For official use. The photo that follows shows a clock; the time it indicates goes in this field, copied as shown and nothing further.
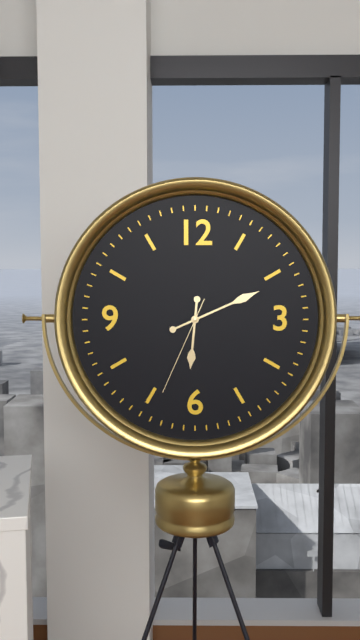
6:11:34
